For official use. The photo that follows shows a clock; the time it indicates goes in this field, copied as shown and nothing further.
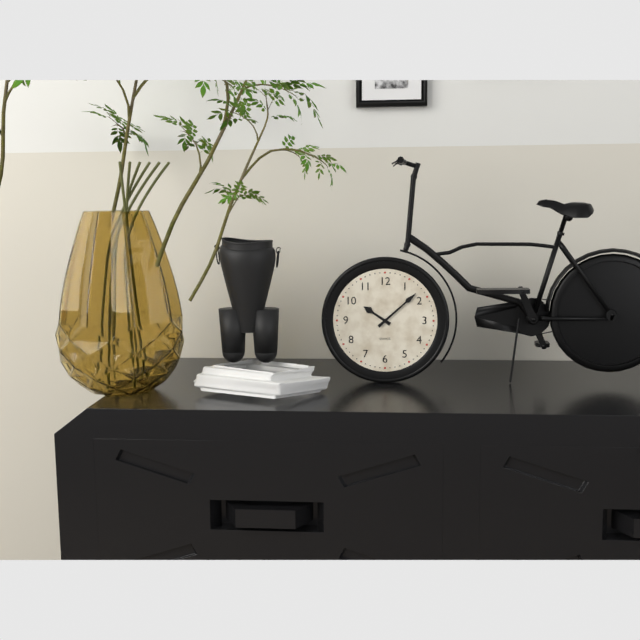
10:08
